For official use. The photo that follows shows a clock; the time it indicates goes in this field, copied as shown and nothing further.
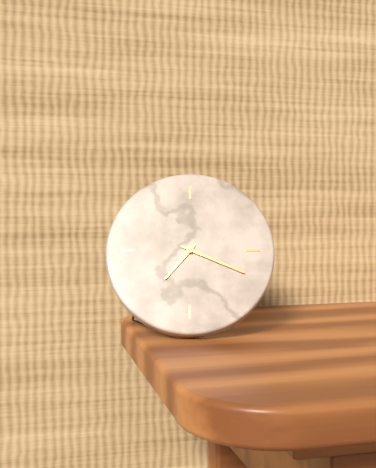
7:19
